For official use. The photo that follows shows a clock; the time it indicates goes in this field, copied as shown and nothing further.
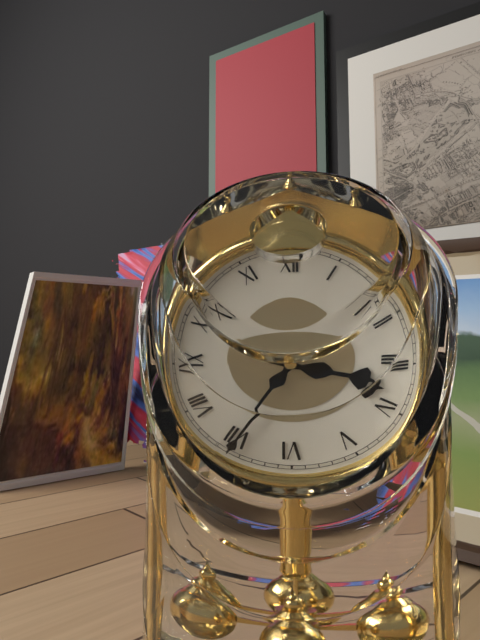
3:35
